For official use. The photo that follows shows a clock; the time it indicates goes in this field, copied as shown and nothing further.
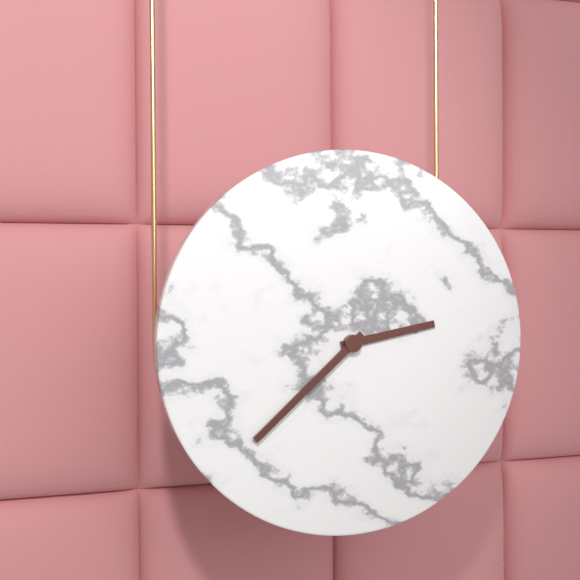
2:38
